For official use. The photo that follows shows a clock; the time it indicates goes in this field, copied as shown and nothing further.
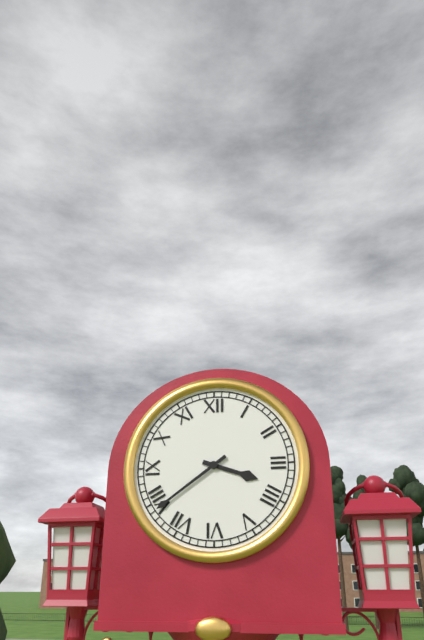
3:39
